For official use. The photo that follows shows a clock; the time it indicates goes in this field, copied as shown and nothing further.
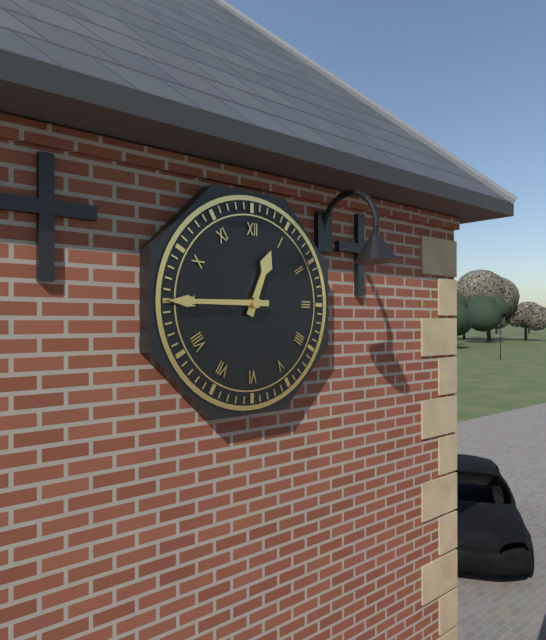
12:45
